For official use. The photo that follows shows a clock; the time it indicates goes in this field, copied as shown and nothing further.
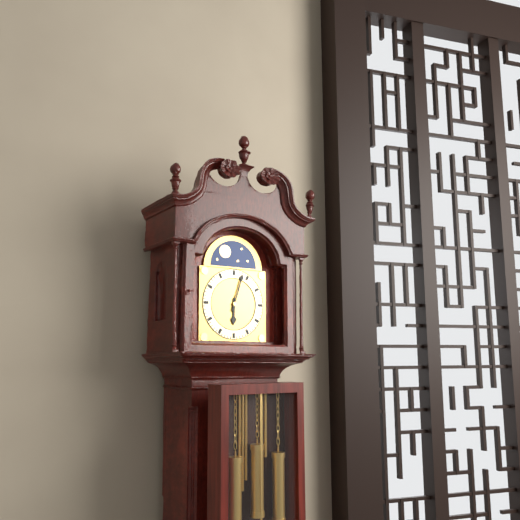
6:03
